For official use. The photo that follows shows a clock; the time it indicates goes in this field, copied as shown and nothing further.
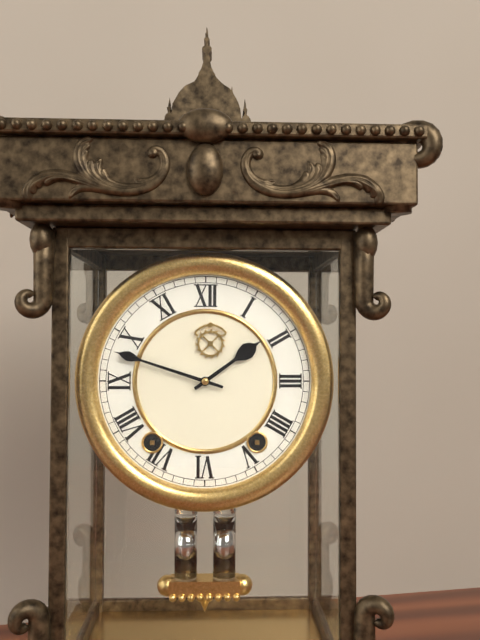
1:48
